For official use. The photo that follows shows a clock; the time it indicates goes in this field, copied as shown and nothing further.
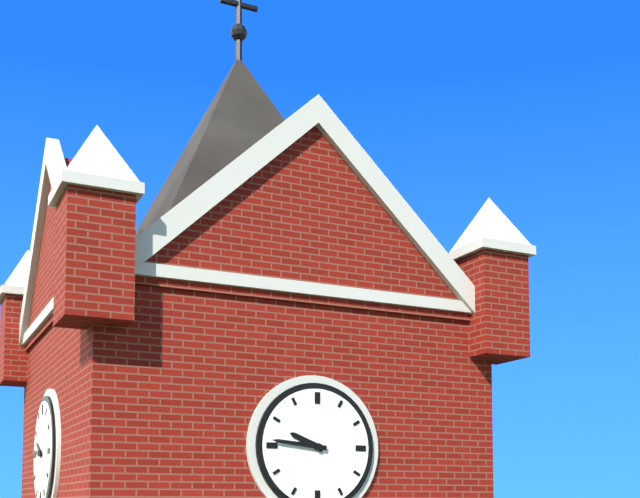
9:46
